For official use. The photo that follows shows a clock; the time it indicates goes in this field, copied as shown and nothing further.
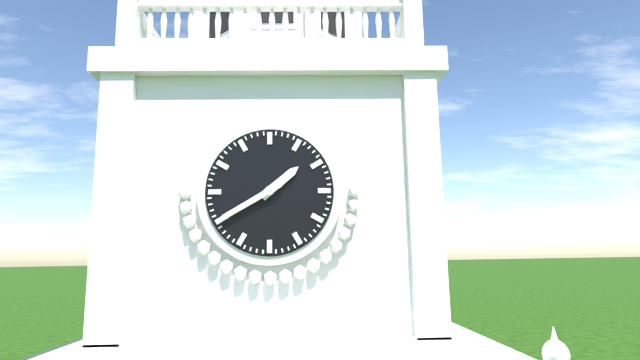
1:40
